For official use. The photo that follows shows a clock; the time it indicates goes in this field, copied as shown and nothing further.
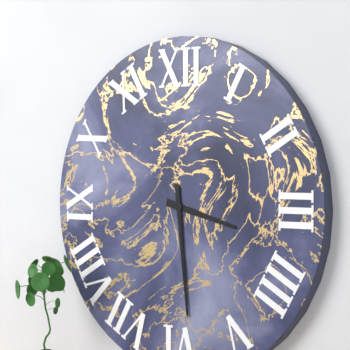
3:29
